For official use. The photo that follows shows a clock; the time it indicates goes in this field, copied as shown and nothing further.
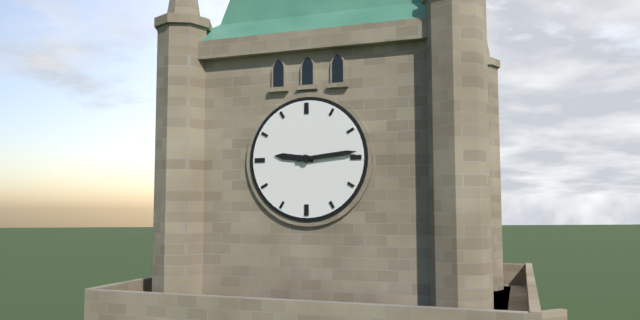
9:14
